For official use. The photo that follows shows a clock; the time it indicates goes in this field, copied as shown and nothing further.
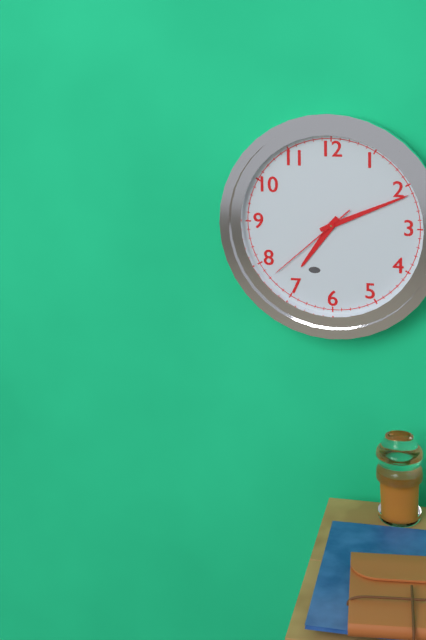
7:11:38
